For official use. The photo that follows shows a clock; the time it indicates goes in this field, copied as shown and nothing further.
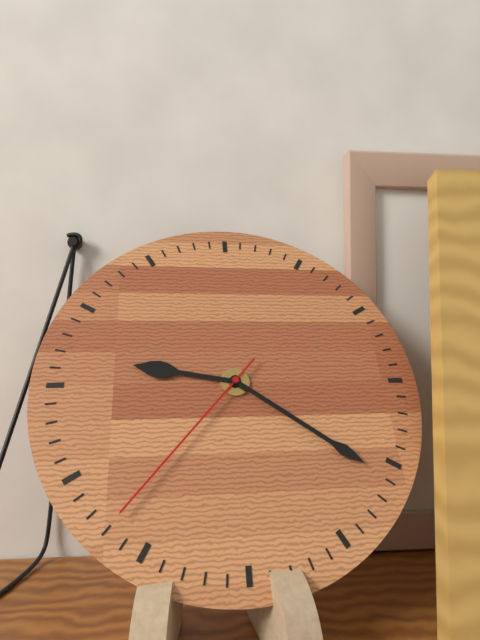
9:21:37
